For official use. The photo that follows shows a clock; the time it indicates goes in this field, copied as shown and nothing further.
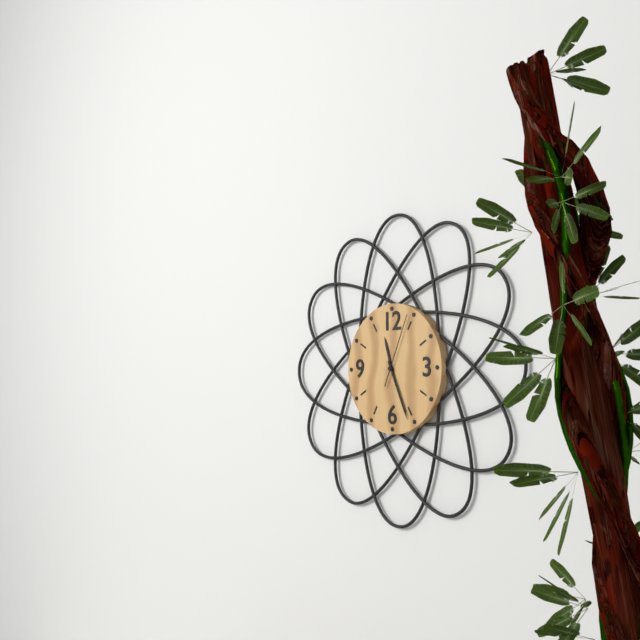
11:26:04
